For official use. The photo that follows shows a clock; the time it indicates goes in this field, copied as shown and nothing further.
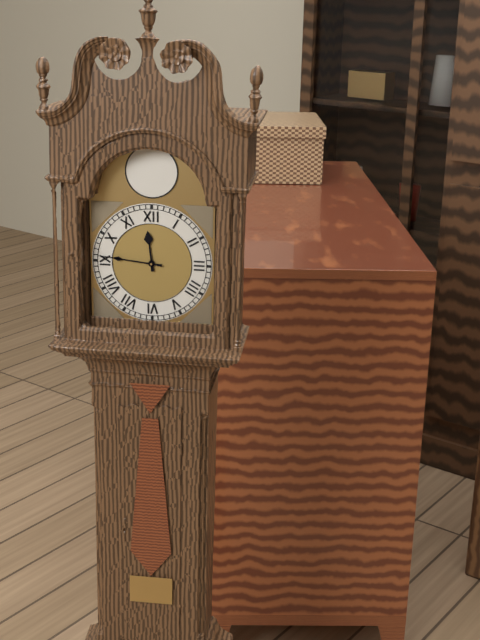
11:46
